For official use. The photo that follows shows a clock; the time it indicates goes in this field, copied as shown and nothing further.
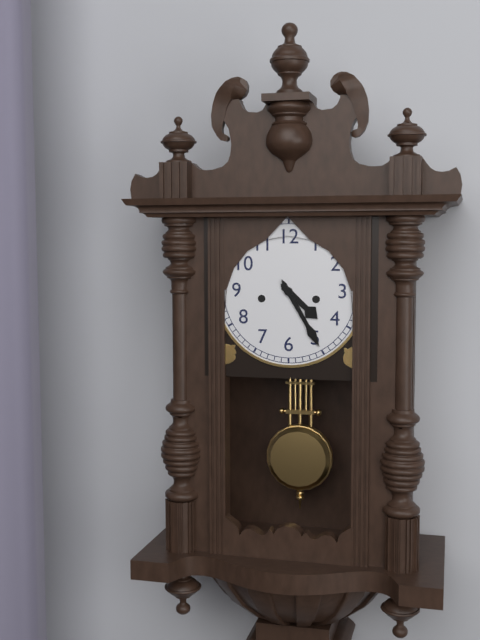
4:25
